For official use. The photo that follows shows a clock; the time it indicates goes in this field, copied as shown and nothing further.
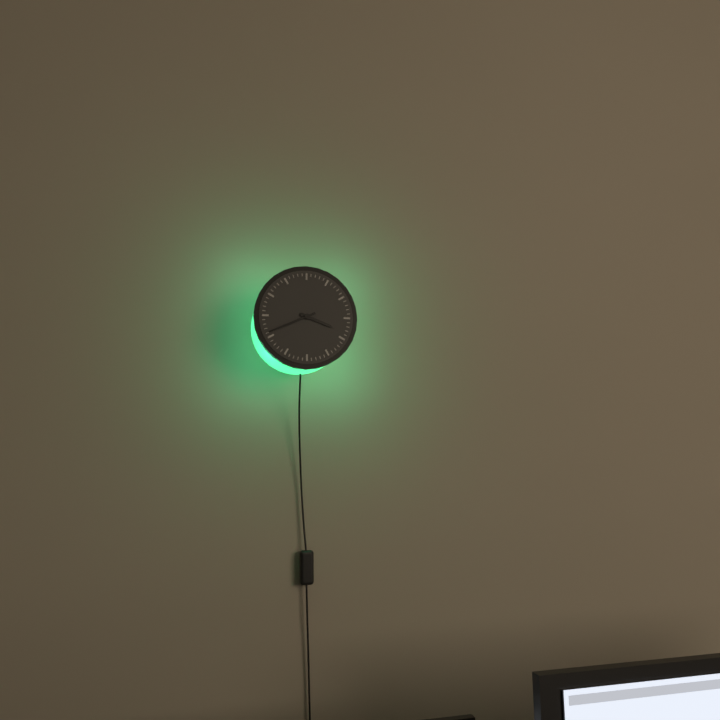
3:41
